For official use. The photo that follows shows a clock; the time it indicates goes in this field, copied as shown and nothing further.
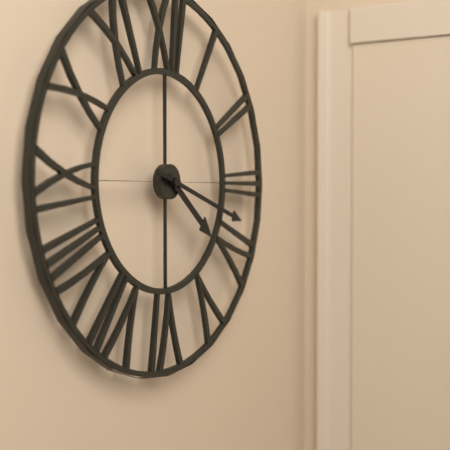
4:18
